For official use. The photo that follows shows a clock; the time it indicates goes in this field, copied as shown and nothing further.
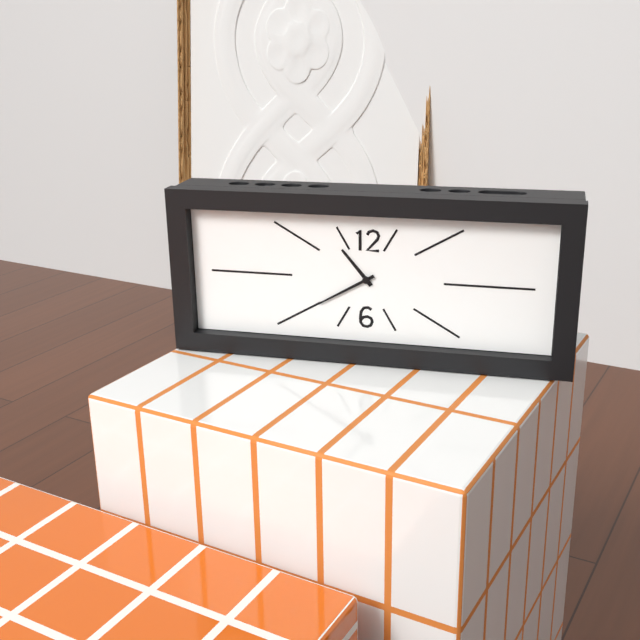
10:40
